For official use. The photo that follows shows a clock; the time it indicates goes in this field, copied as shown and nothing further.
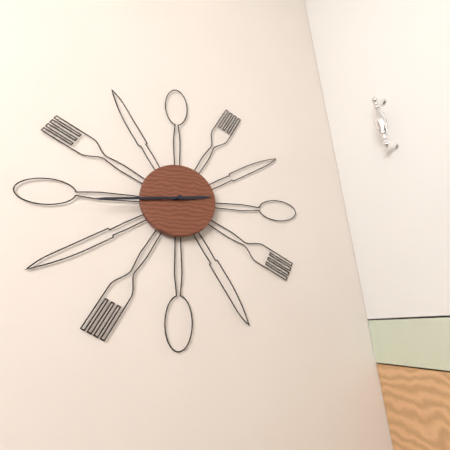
2:44
